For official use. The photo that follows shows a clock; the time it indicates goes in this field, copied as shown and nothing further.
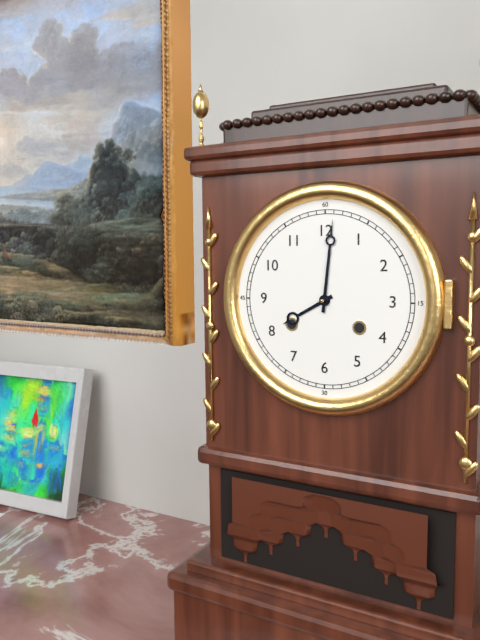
8:01
